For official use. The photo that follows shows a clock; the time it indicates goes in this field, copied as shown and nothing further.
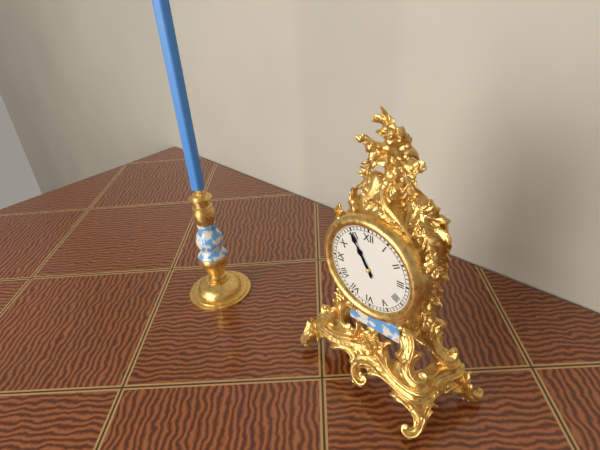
10:55
